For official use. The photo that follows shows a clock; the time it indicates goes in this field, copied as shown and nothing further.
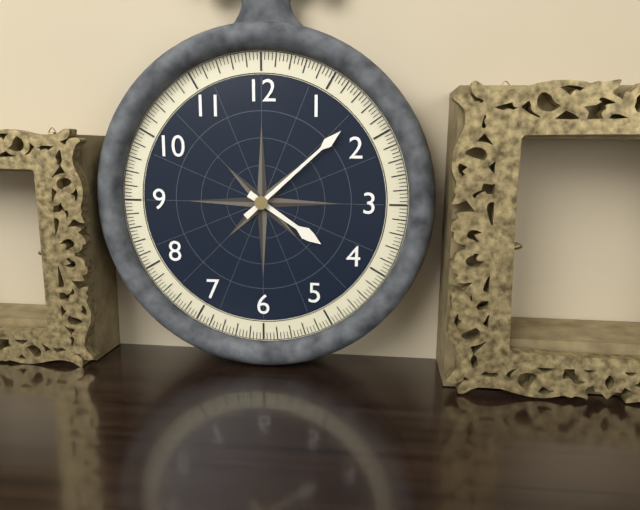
4:08
